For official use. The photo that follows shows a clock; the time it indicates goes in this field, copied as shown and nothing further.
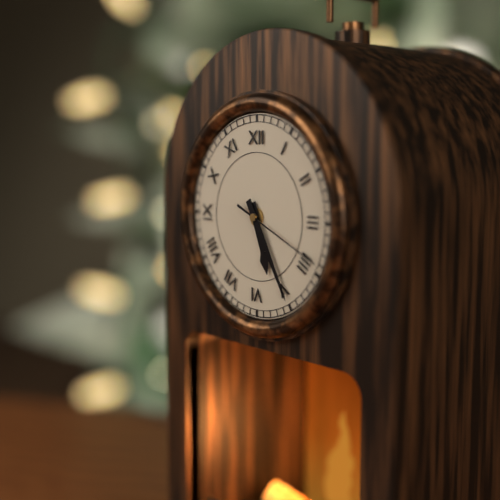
5:25:19
